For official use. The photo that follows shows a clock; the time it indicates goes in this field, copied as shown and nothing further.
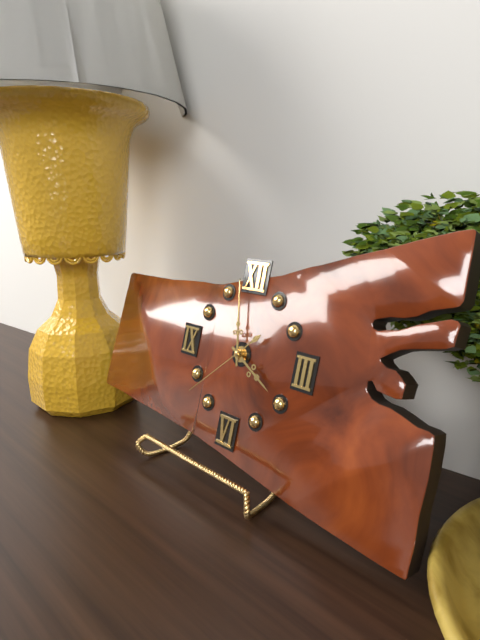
3:58:38
